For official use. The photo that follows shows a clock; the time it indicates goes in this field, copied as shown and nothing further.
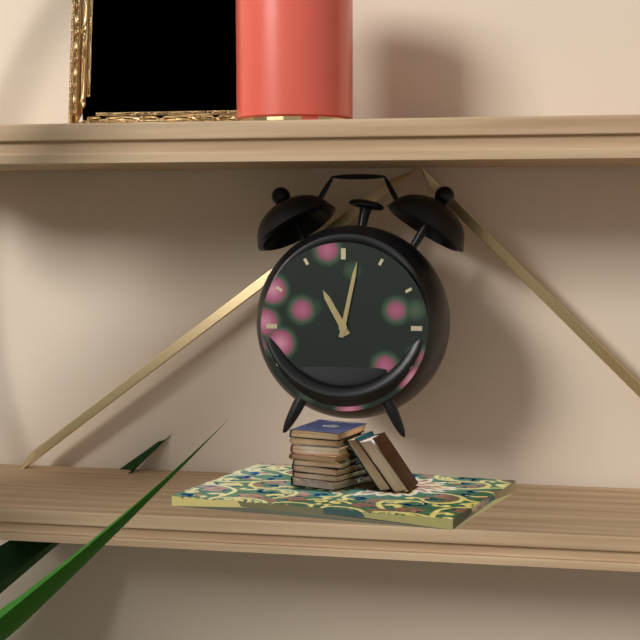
11:02
